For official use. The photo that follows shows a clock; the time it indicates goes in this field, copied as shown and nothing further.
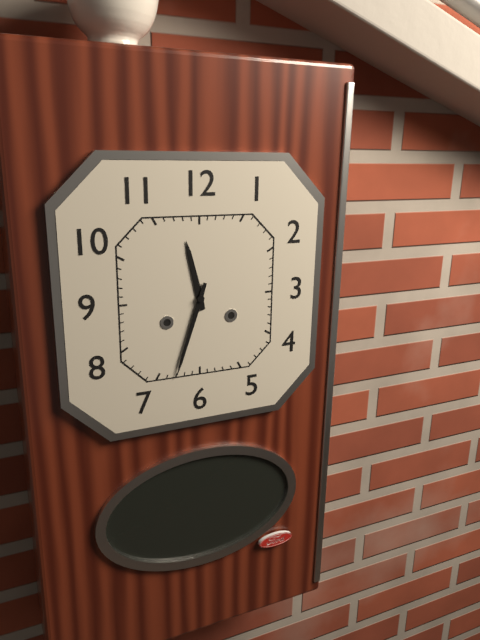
11:33
